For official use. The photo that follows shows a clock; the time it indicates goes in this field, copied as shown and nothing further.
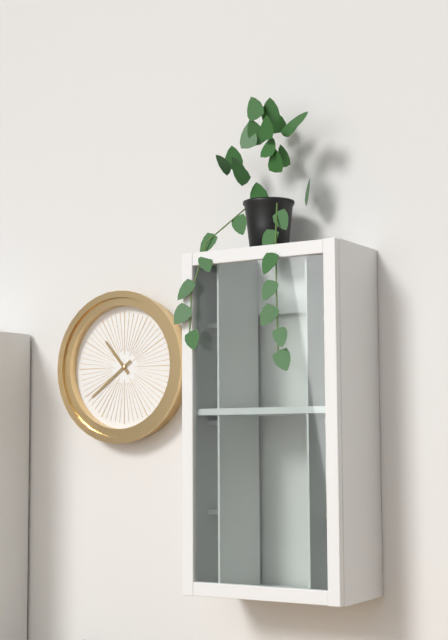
10:39
